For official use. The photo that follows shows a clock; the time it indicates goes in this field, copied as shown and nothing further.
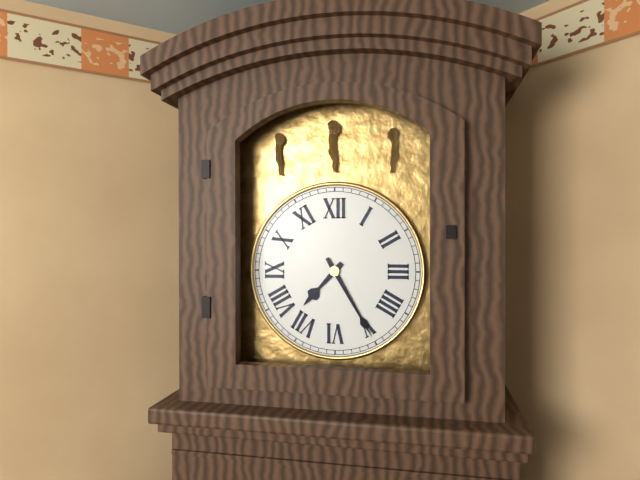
7:25
